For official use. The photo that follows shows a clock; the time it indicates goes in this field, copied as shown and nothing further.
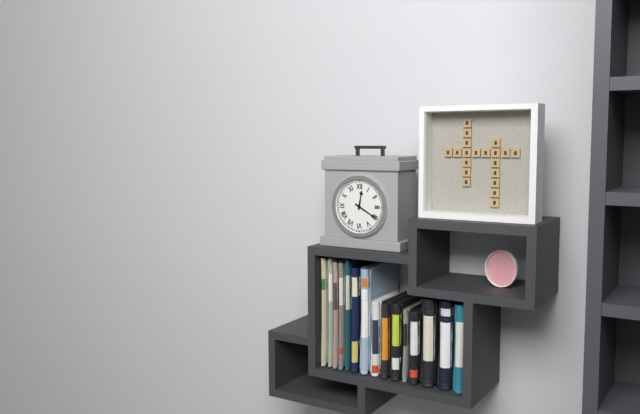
12:20
